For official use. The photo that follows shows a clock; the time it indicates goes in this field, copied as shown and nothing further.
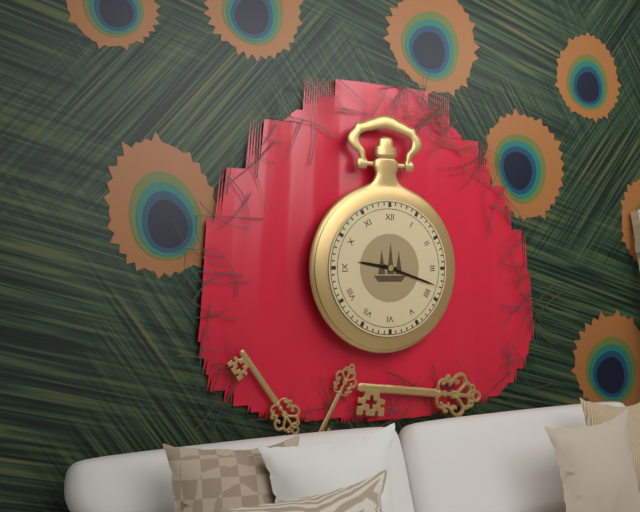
9:18
